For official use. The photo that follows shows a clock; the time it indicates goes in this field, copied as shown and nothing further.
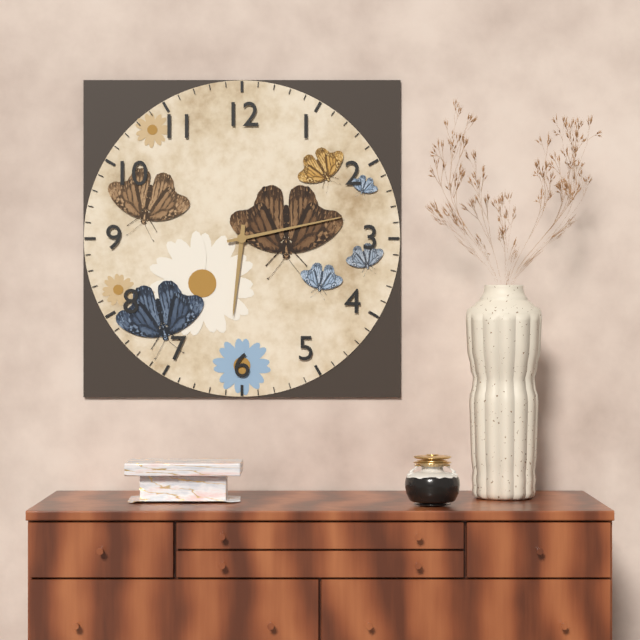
6:13
